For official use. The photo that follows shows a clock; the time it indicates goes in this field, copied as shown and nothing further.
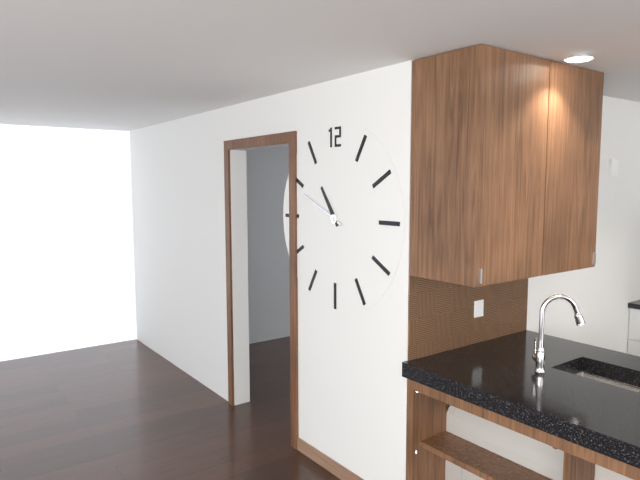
10:49
